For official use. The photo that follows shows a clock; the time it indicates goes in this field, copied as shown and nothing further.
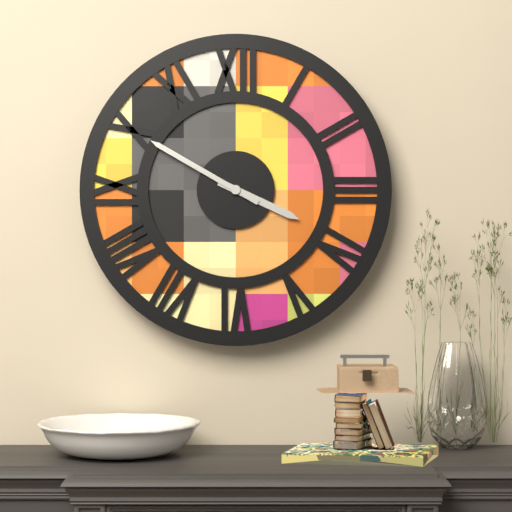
3:50
